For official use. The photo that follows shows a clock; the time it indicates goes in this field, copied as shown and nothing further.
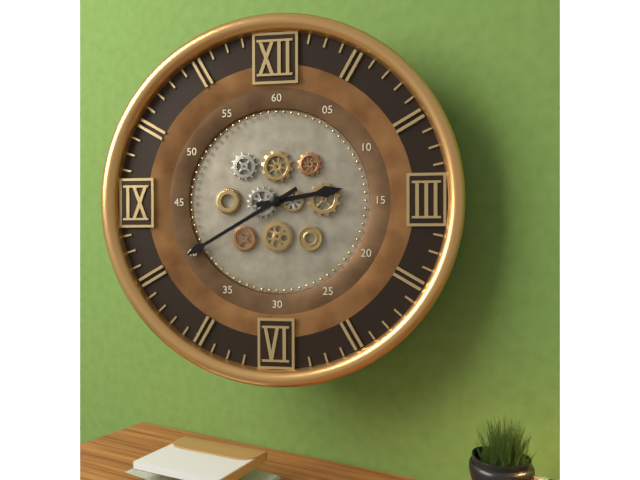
2:40
